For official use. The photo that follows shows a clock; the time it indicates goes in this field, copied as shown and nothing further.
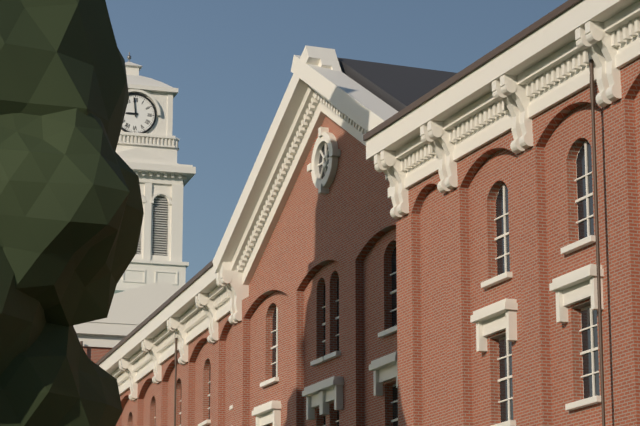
8:59
